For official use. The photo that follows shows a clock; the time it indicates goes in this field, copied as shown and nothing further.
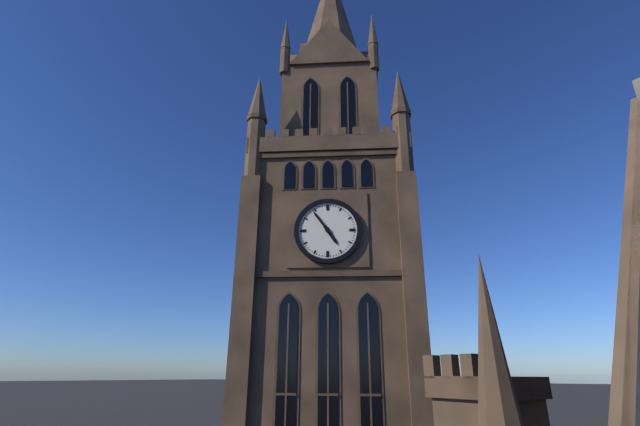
4:54
